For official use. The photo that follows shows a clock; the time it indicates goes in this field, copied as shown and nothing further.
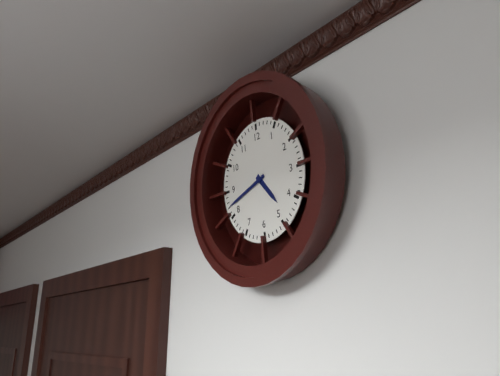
4:42
